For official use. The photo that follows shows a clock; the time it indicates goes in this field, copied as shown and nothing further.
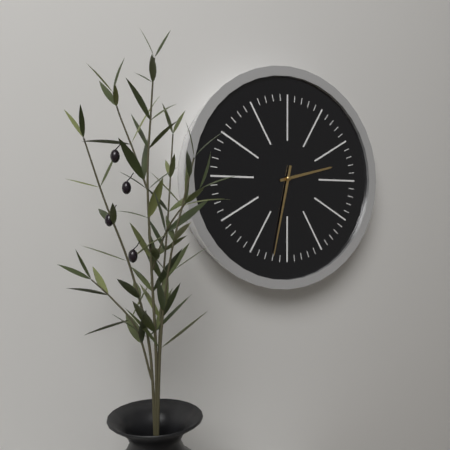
2:32
